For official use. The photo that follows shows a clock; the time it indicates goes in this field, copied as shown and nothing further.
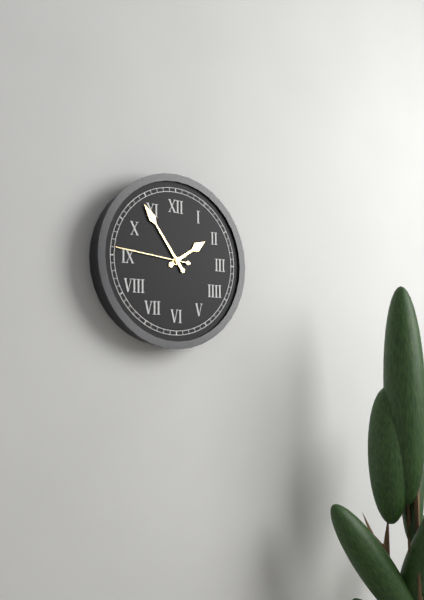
1:54:46
